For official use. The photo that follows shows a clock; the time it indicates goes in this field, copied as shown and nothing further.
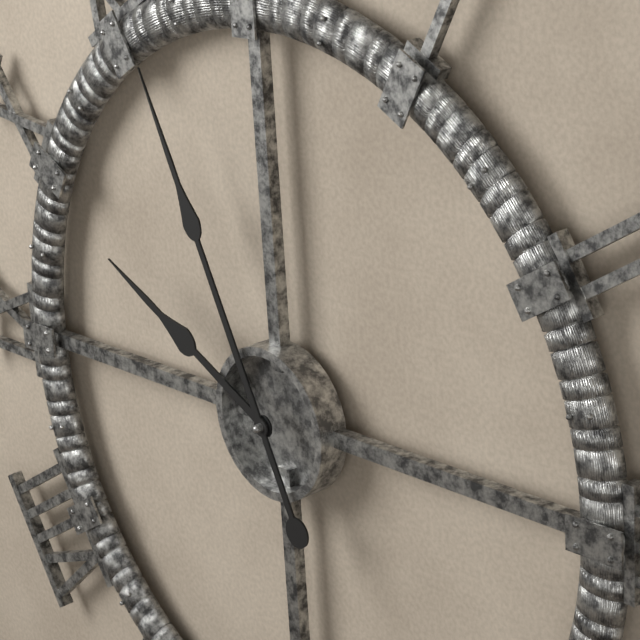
9:56
